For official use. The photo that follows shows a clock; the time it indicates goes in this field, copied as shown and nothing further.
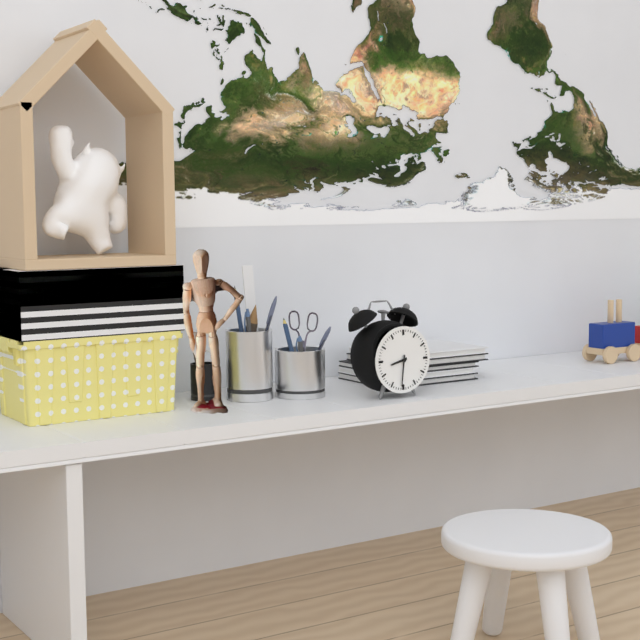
8:31
